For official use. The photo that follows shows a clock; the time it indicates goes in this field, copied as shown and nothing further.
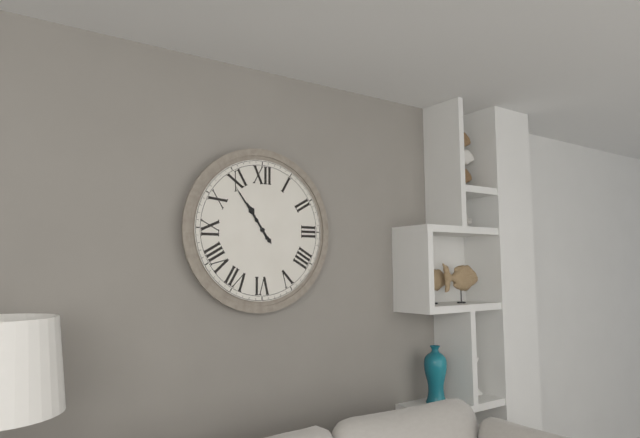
10:54
